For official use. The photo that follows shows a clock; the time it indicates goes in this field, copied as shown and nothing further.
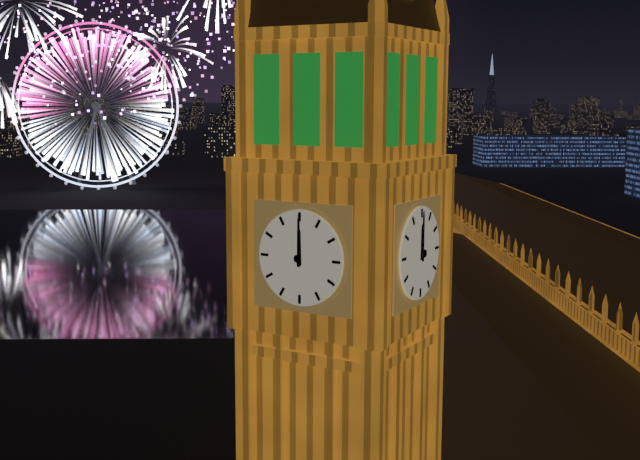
12:00
